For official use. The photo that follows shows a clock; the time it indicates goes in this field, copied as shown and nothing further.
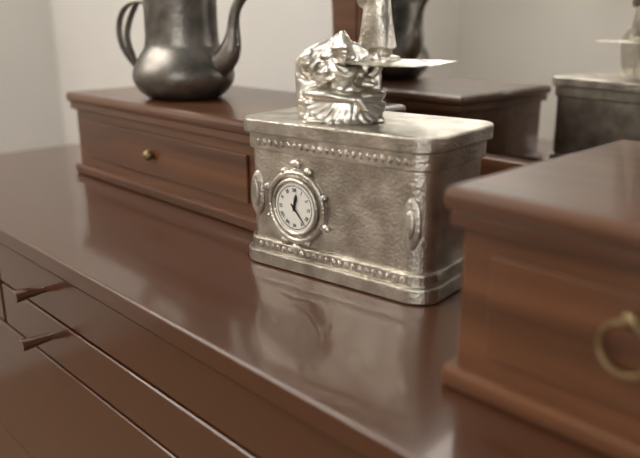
12:23
